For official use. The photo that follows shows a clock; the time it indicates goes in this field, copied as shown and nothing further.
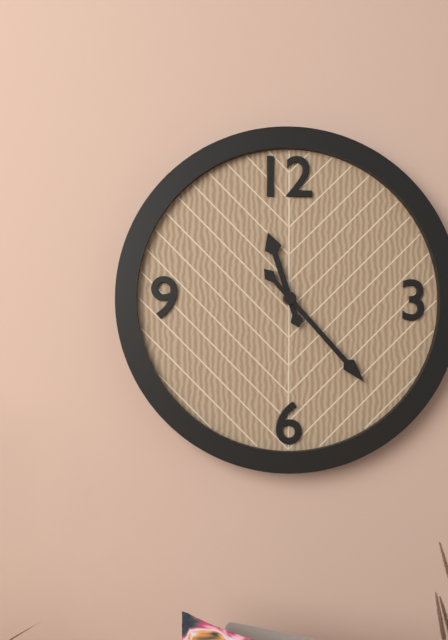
11:23
